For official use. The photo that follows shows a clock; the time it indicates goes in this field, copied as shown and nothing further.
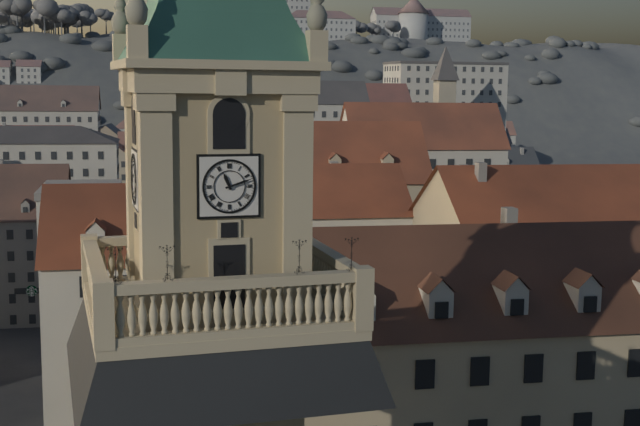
11:12
